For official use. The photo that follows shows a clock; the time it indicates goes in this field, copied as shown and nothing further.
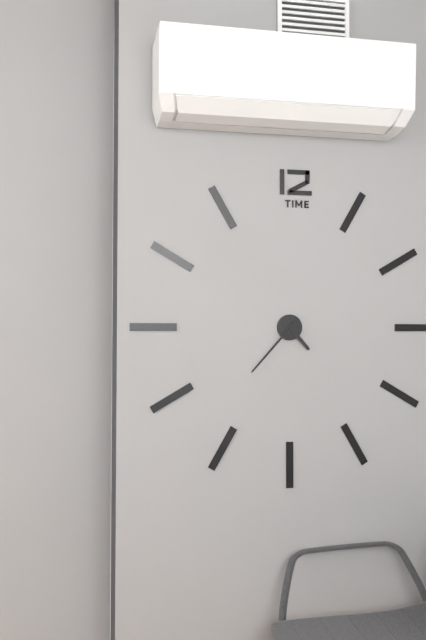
4:37
